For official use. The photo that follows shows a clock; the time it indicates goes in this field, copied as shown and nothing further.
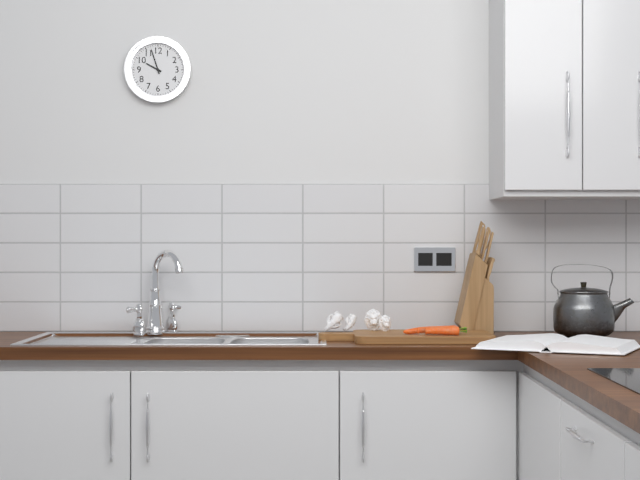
9:57
